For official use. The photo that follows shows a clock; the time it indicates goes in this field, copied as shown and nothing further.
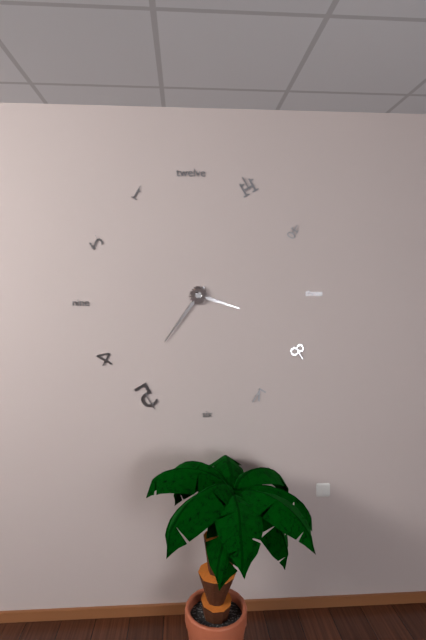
3:36
